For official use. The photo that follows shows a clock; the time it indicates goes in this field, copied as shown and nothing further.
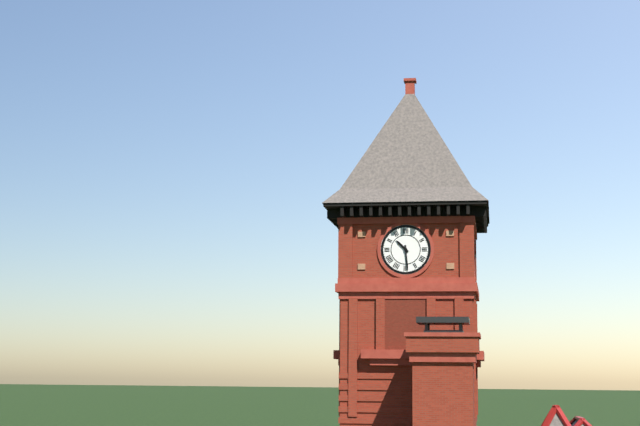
10:29
